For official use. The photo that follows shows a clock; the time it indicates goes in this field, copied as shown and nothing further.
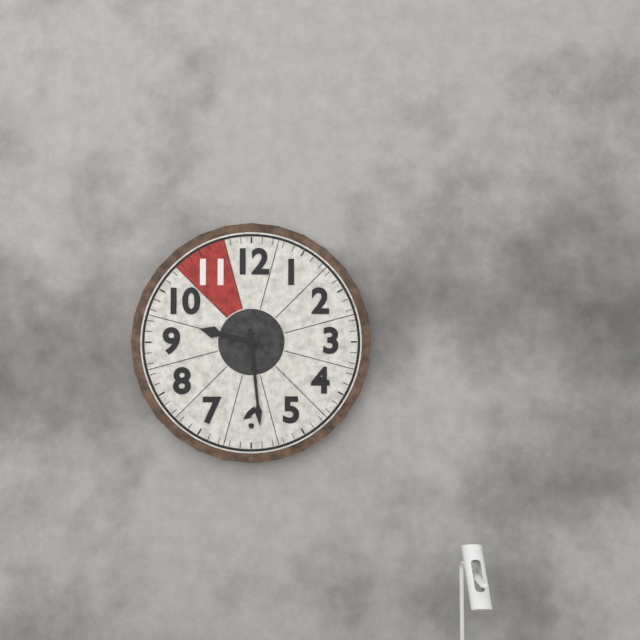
9:29
